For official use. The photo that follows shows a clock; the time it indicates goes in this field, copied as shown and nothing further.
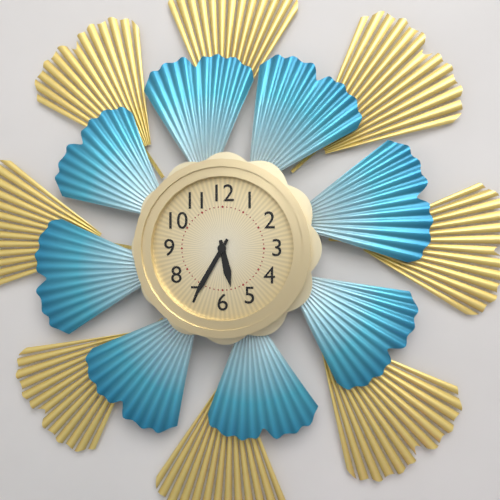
5:35
